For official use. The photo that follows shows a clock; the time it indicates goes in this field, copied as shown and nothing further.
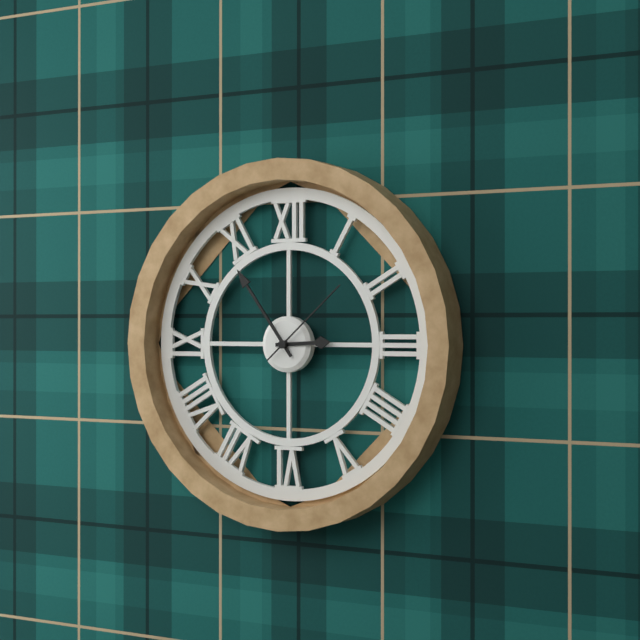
2:54:08
